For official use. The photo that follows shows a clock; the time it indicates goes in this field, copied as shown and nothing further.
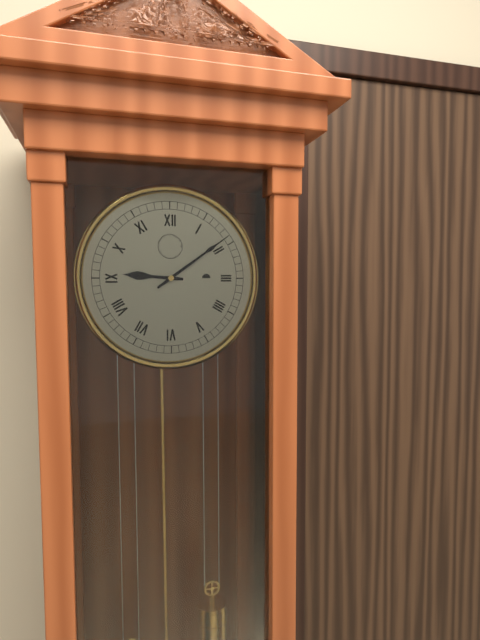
9:09
